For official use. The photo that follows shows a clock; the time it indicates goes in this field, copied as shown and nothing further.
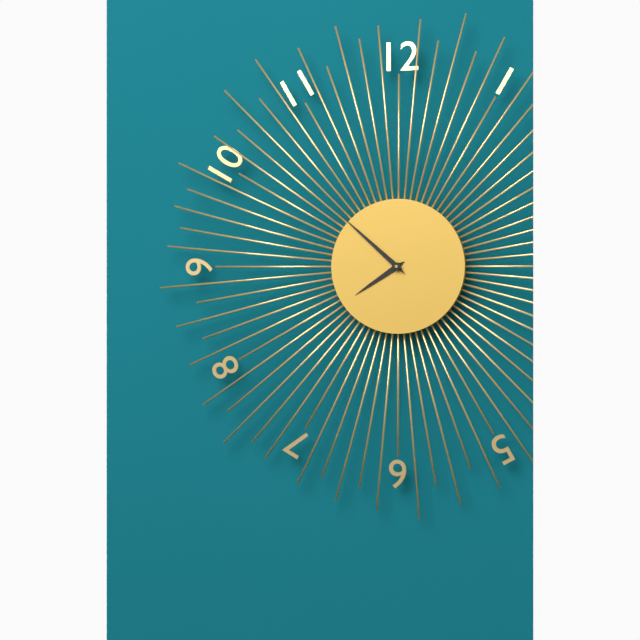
7:52
